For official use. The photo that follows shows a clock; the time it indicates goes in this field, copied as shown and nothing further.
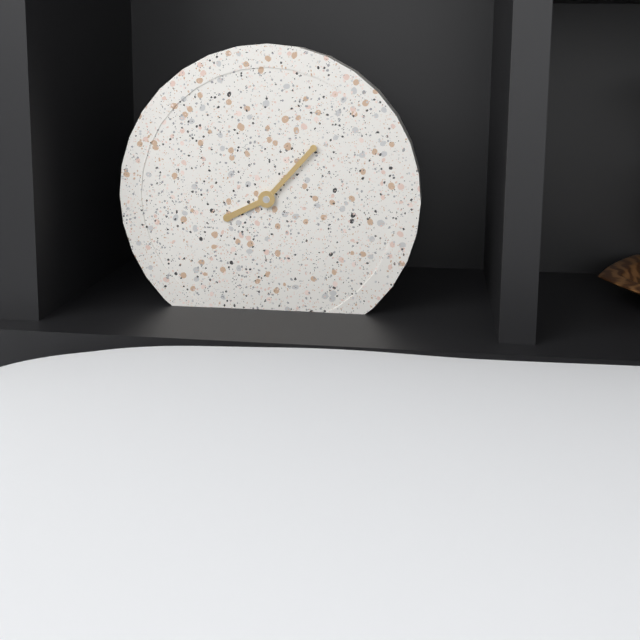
8:07
